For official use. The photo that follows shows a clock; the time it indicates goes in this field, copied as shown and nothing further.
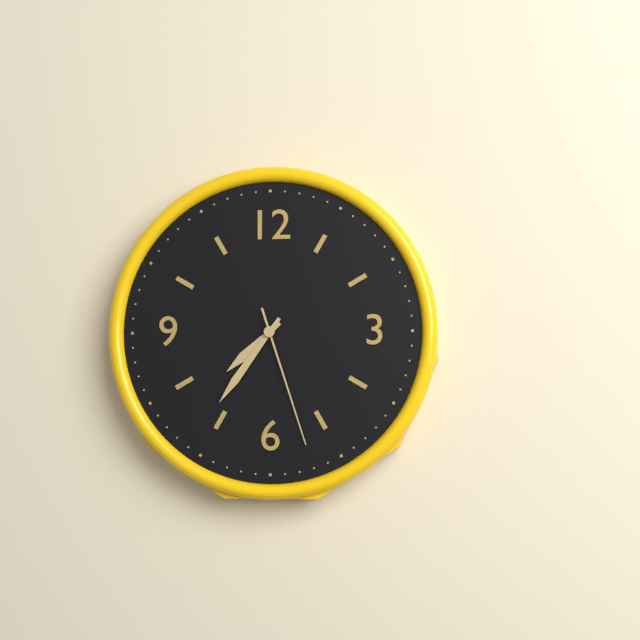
7:36:27
